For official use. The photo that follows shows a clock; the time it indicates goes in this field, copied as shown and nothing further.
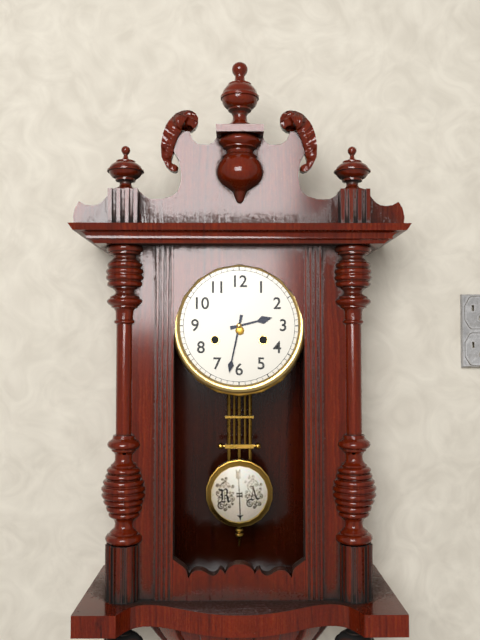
2:32
